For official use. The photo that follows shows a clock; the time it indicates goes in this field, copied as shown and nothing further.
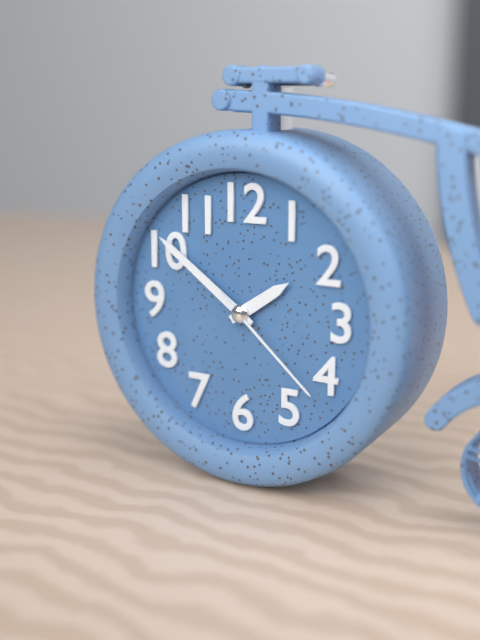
1:51:22
